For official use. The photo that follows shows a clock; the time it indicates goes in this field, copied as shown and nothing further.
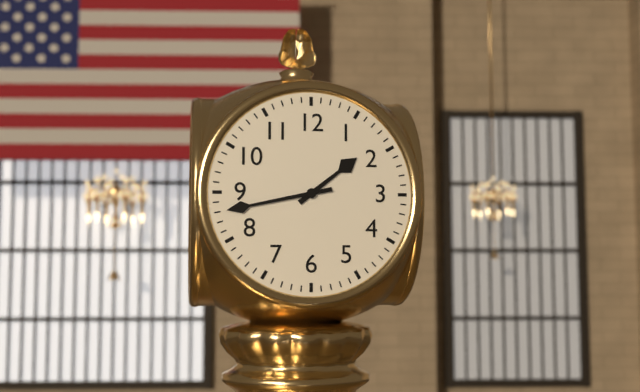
1:43
